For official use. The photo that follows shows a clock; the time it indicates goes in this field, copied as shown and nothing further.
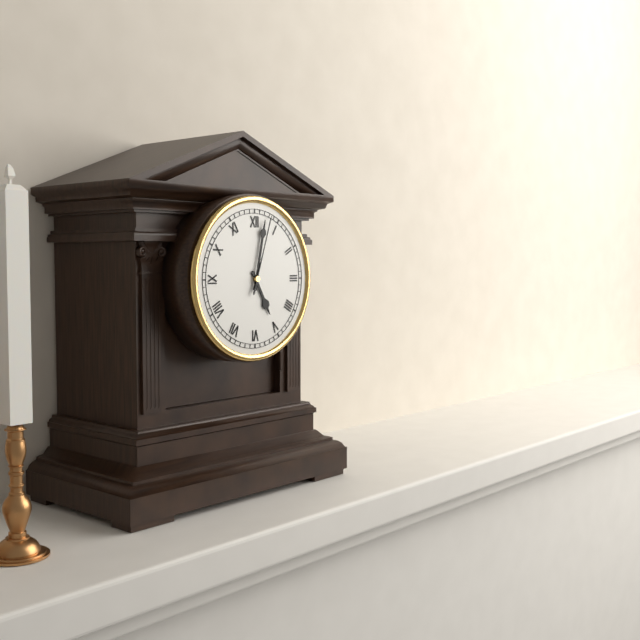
5:02:03
